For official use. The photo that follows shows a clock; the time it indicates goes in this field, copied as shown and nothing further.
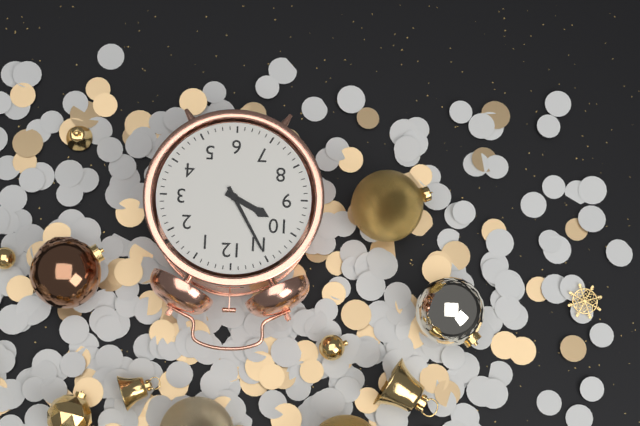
9:55
